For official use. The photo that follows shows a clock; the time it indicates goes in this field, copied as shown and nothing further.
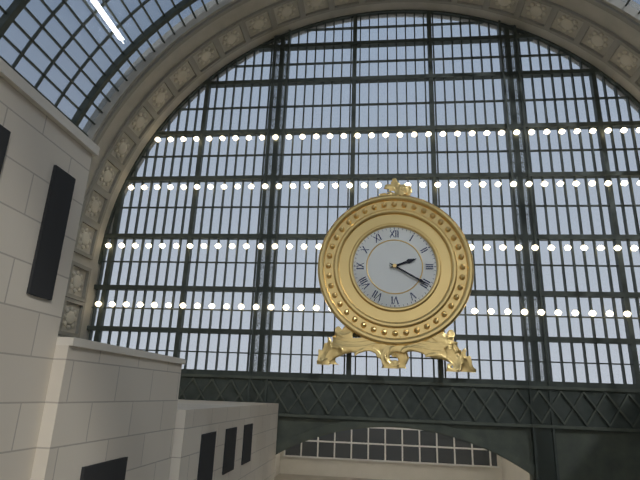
2:20
